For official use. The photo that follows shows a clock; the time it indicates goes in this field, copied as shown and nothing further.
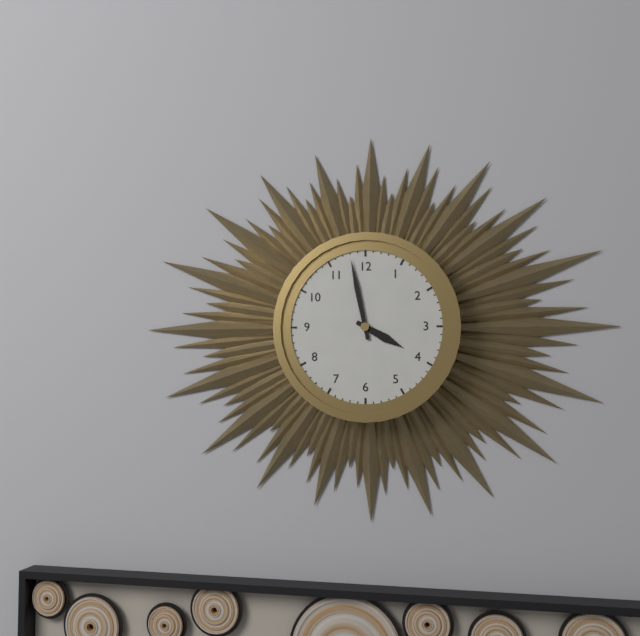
3:58
